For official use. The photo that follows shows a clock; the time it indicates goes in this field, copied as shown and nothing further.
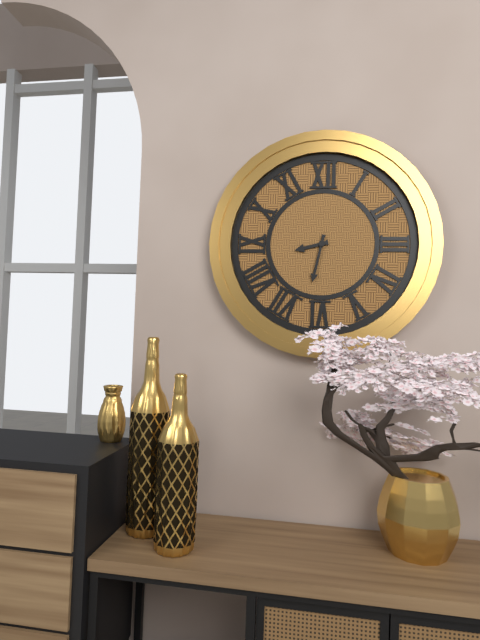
8:32
